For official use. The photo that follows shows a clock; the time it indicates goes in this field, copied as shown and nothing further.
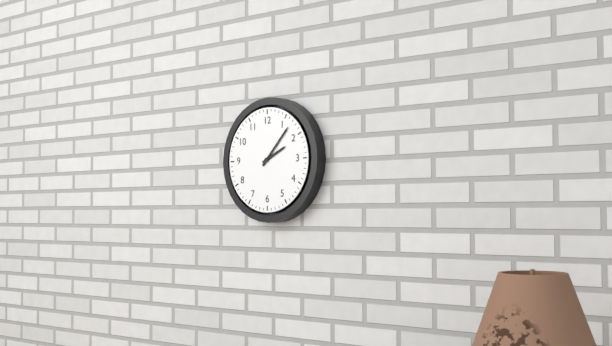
2:07
